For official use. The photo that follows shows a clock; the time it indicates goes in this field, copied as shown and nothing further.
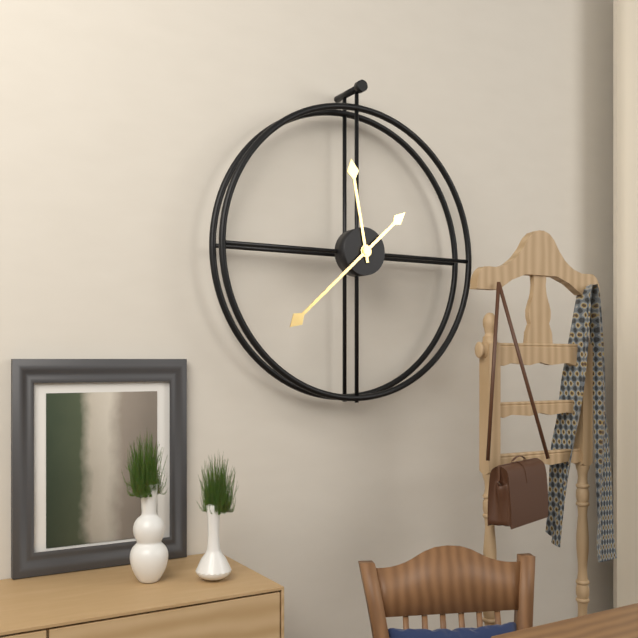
11:38
